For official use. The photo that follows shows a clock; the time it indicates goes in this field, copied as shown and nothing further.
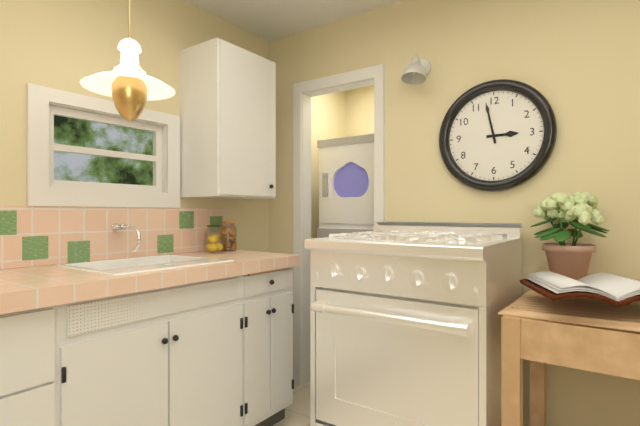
2:58
